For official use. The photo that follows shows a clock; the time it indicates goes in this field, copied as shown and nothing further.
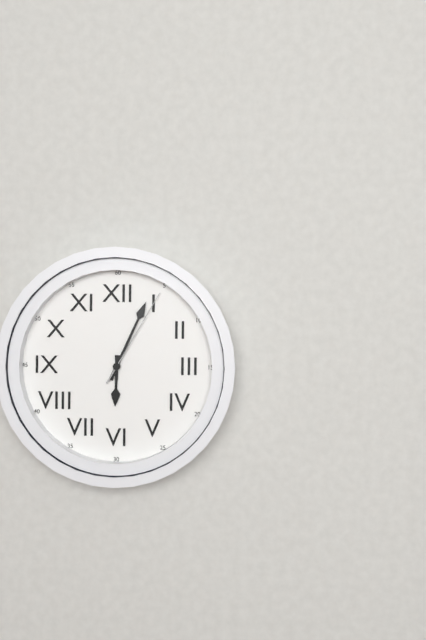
6:04:05
